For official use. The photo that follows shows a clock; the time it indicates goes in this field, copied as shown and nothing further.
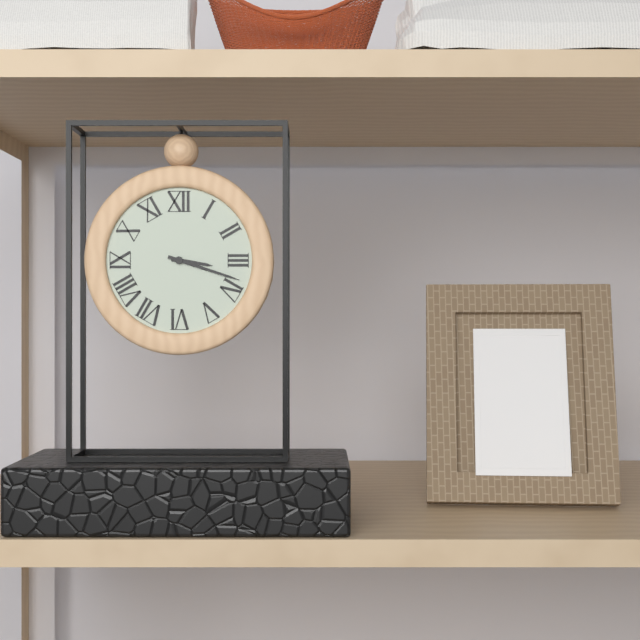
3:18
